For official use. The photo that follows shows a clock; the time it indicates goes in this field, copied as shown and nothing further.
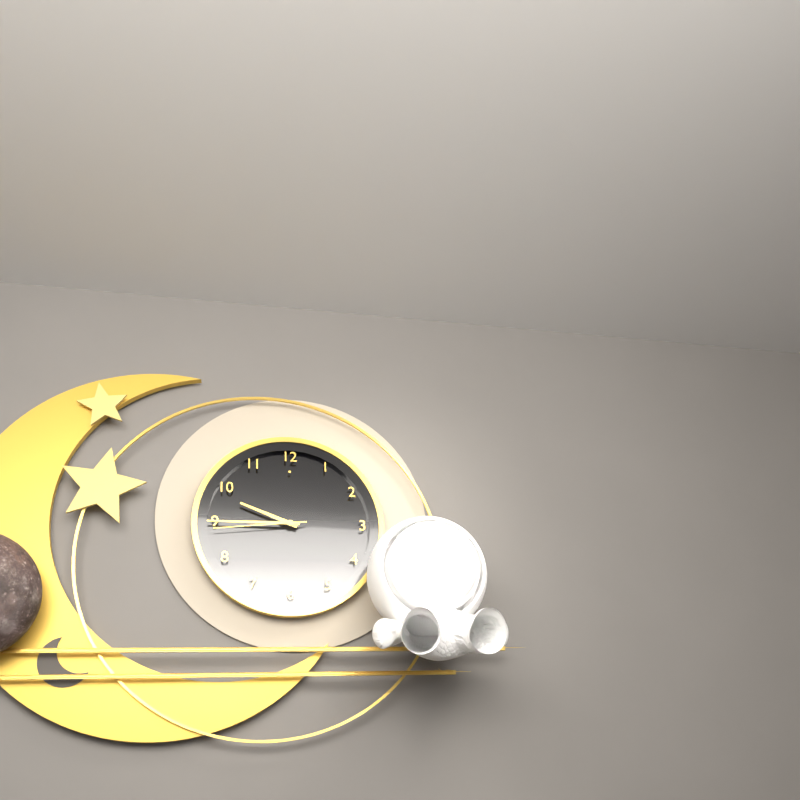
9:45:44
